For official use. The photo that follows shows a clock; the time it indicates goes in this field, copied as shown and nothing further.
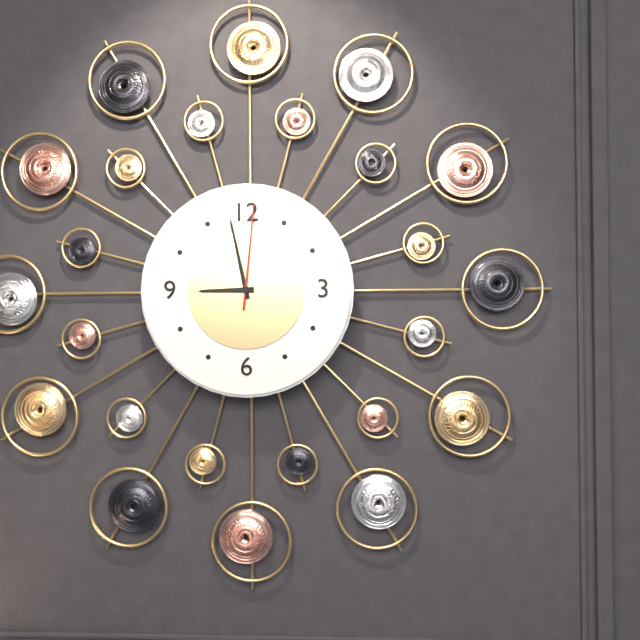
8:58:01
